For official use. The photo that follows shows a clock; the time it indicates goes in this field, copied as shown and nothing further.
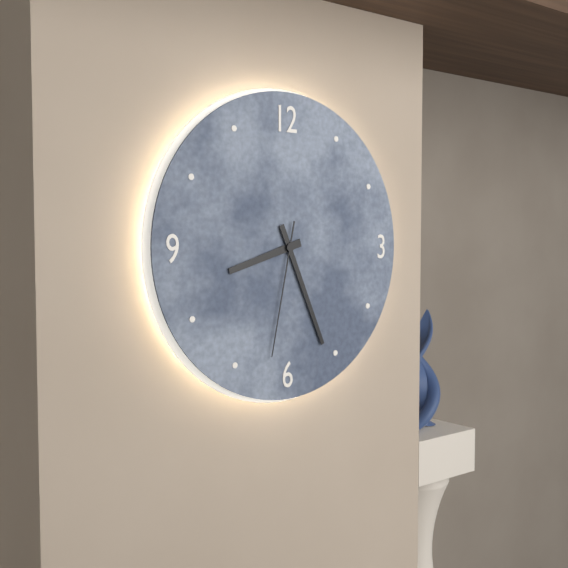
8:26:32
